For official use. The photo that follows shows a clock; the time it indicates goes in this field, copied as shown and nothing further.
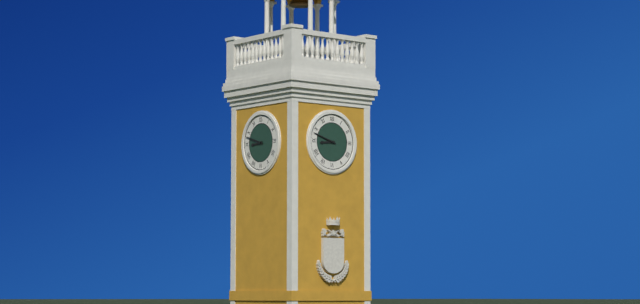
8:48
